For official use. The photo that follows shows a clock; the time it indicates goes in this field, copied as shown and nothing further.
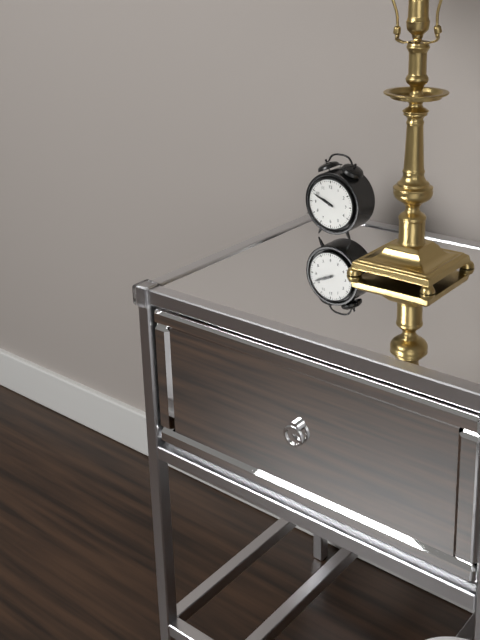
9:49
